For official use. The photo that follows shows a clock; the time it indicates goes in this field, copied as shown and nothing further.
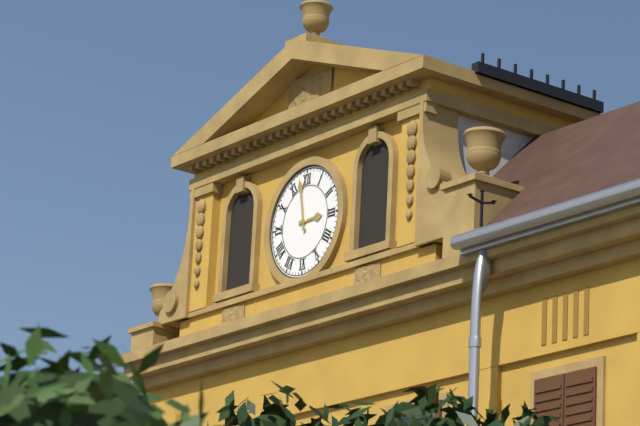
2:58
